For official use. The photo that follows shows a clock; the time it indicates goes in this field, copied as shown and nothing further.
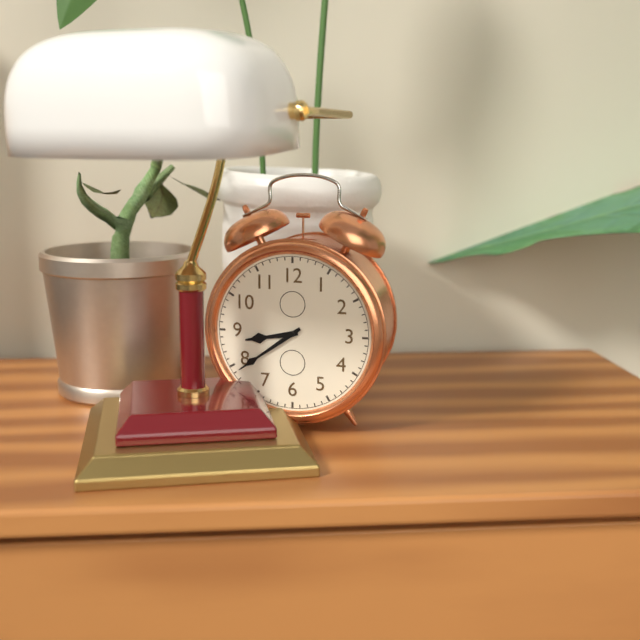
8:39
